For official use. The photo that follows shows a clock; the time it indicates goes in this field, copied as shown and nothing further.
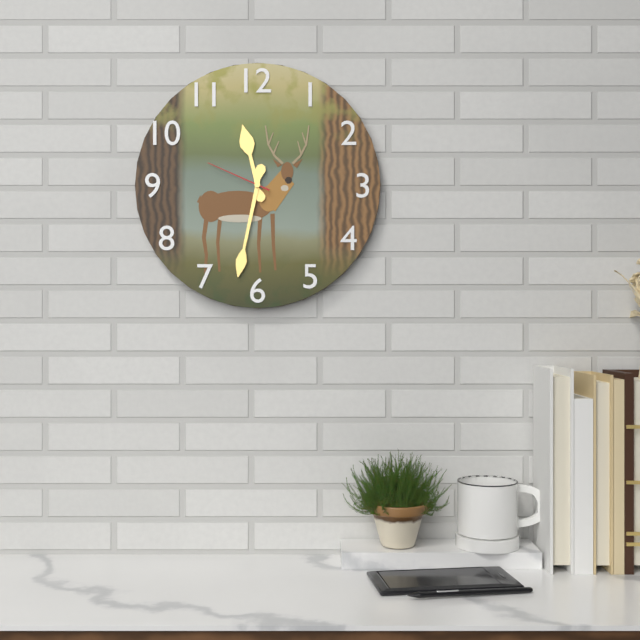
11:32:49
